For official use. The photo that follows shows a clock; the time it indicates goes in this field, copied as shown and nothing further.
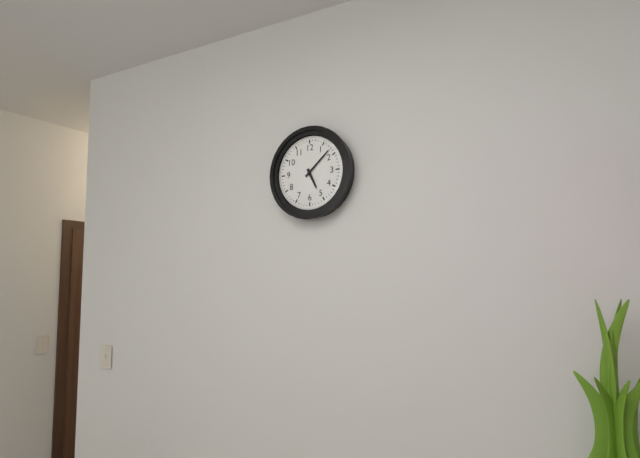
5:08
